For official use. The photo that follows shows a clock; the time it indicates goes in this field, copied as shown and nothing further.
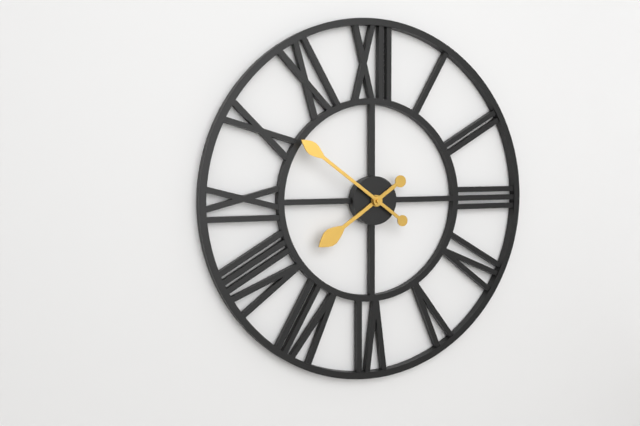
7:51
